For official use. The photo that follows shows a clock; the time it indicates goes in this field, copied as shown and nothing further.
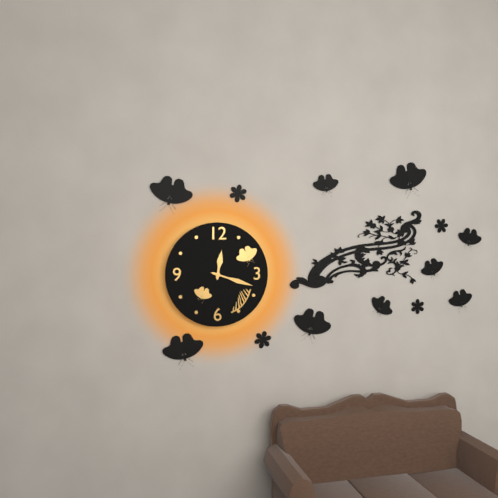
12:18
